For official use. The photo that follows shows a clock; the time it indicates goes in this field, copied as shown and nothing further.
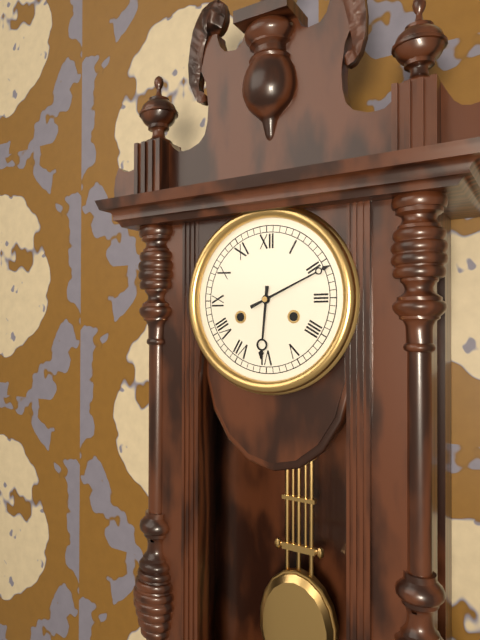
6:11
